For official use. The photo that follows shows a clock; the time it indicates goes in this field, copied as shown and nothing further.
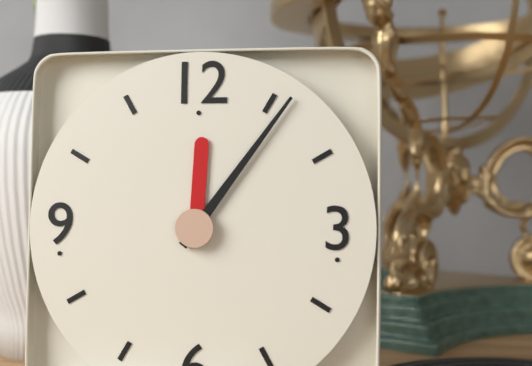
12:06
